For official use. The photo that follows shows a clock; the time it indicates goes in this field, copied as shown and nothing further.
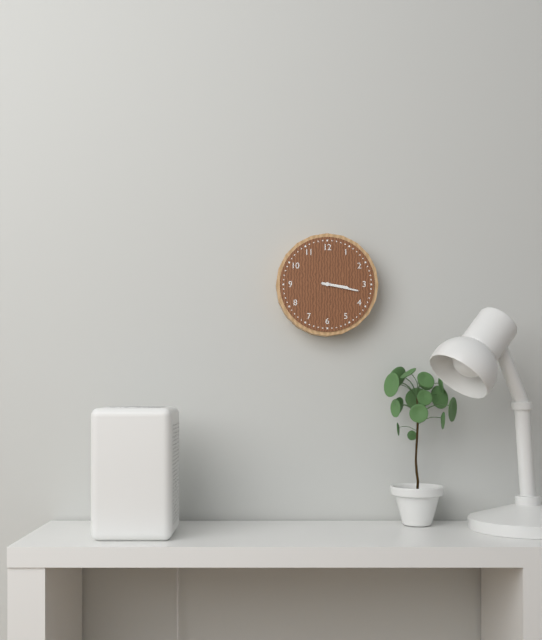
3:17
